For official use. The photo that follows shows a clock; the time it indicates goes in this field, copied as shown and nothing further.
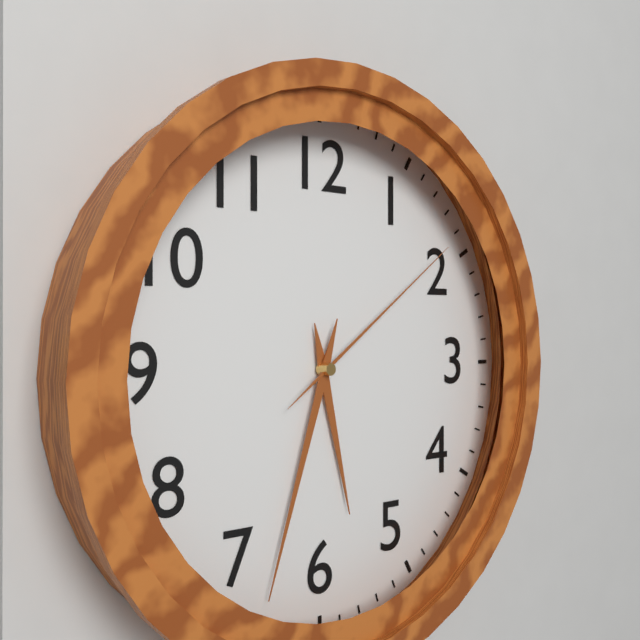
5:33:09
